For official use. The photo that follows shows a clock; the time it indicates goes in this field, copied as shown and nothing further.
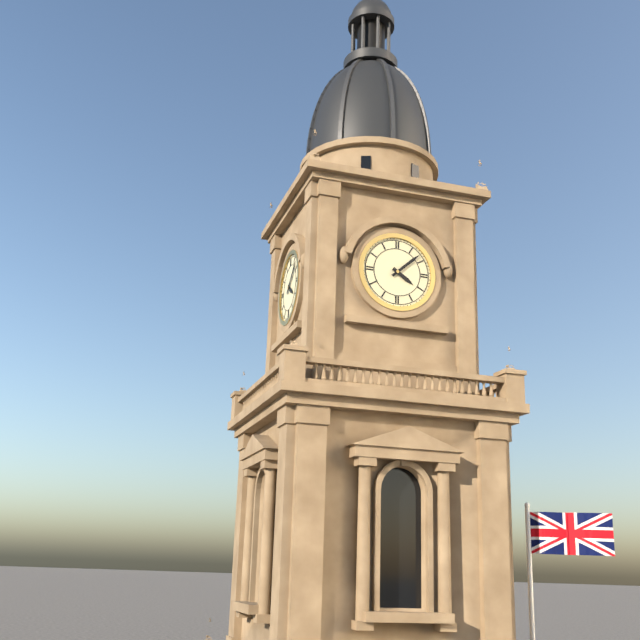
4:08
